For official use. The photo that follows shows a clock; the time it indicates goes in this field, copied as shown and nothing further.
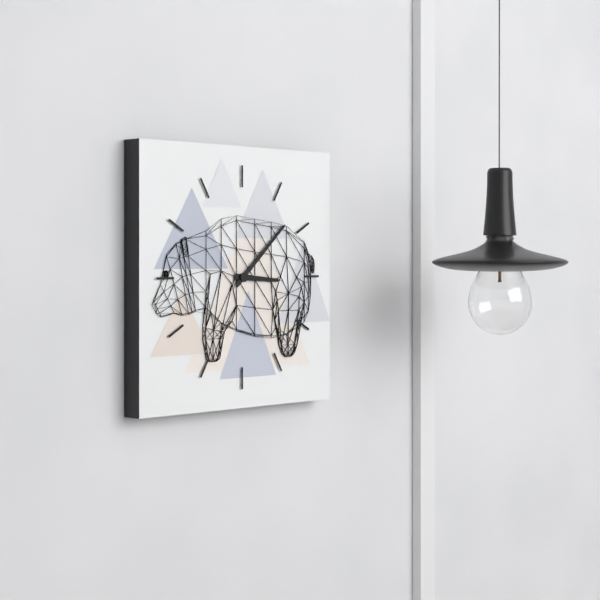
3:08
